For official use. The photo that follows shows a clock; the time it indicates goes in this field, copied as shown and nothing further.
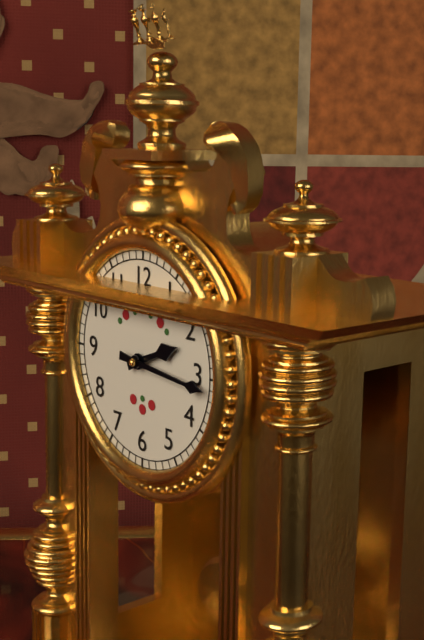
2:16
